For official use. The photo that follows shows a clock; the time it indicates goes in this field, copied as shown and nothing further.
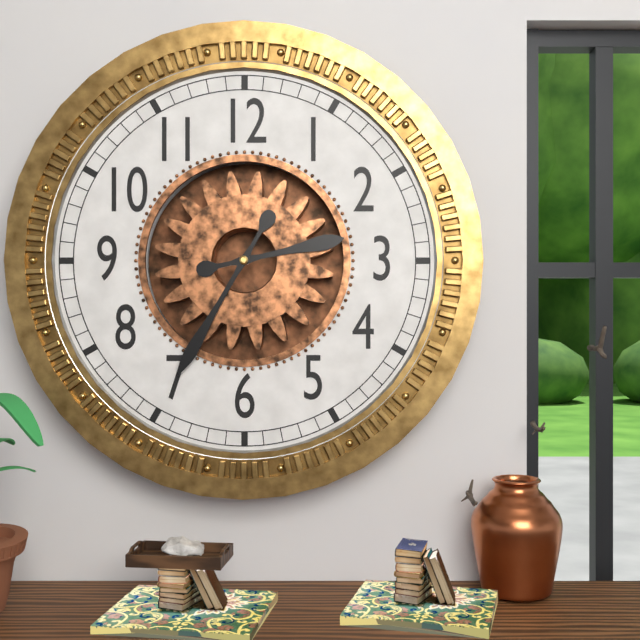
2:35
